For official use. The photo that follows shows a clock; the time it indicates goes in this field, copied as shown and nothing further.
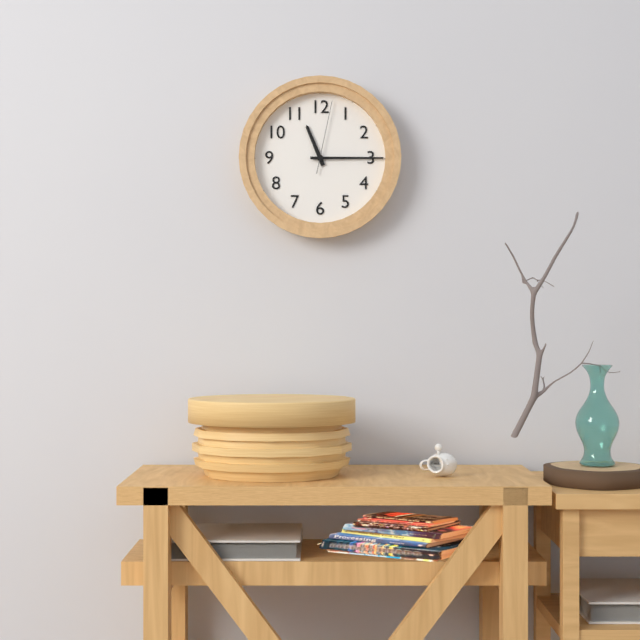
11:15:02
